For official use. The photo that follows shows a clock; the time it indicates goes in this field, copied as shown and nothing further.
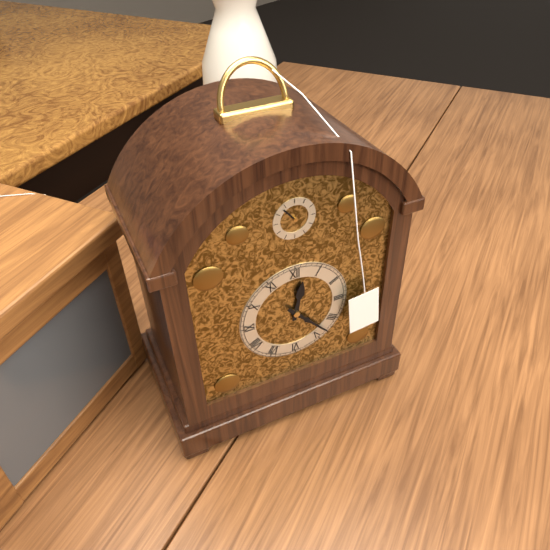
12:23
